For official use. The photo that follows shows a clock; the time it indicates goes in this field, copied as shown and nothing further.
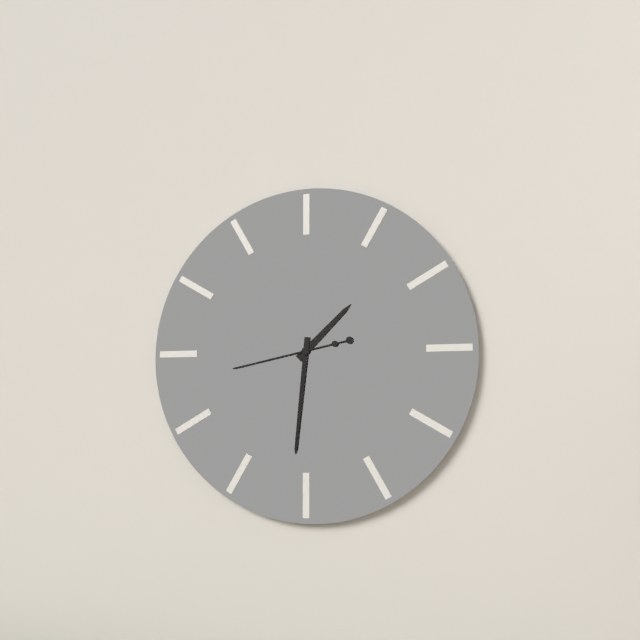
1:31:43
